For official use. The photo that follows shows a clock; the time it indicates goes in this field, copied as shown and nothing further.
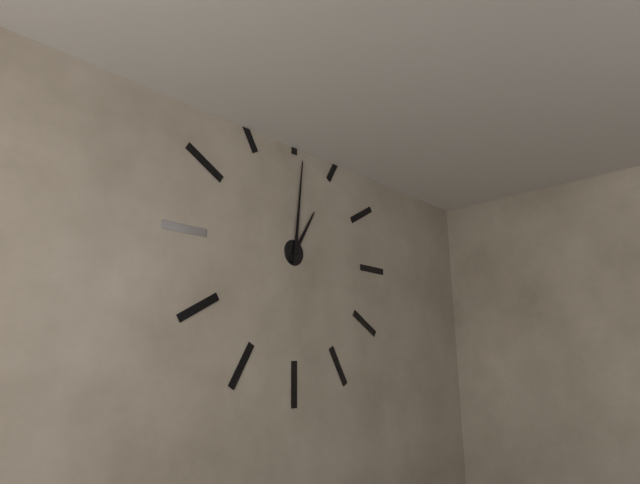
1:01
